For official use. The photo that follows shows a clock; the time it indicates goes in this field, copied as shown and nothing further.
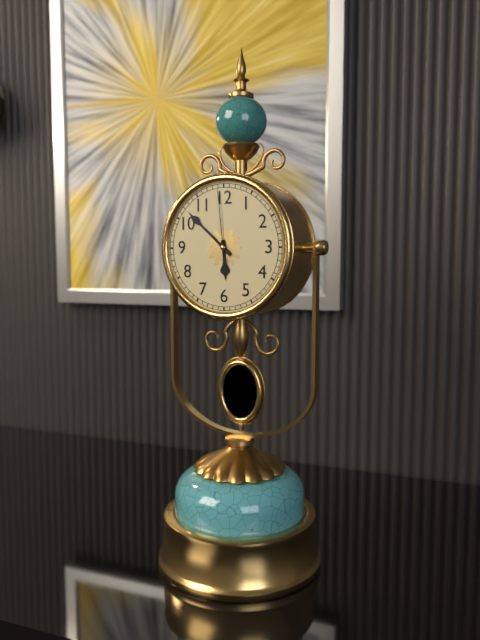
5:52:59
